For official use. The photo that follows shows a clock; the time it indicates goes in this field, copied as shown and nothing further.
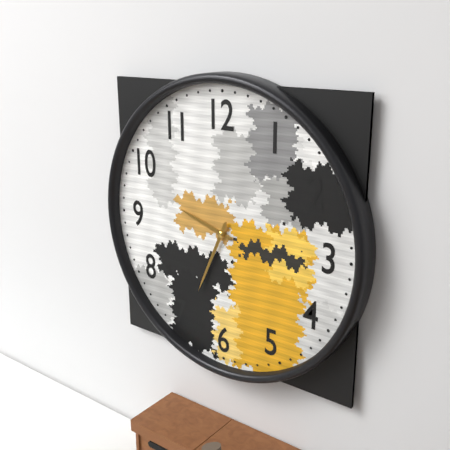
9:34
